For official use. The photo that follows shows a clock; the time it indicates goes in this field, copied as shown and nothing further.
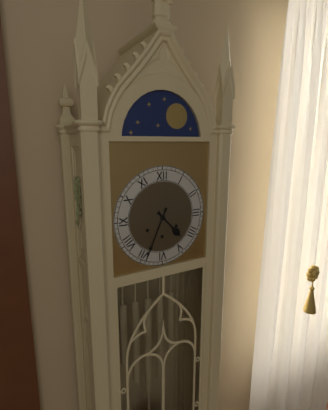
4:34
